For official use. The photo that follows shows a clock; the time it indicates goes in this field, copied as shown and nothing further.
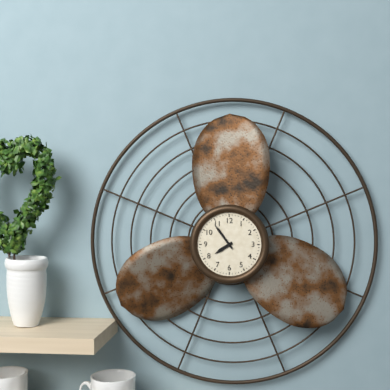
7:54
